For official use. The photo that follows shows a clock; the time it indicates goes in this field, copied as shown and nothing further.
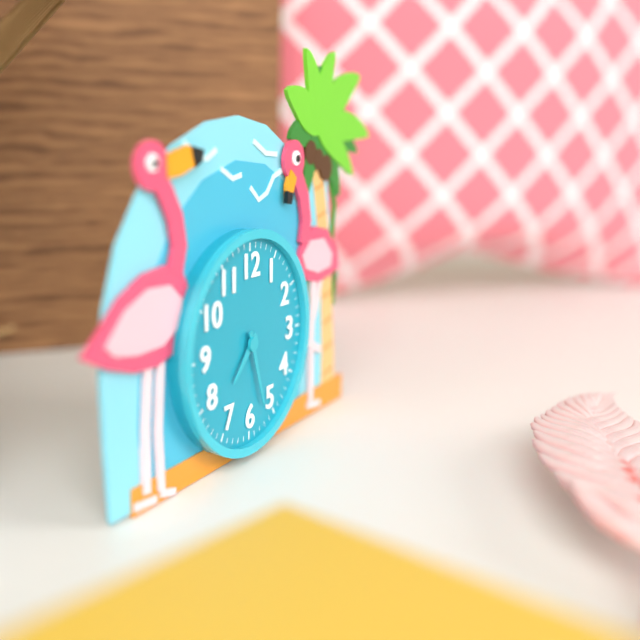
7:27
